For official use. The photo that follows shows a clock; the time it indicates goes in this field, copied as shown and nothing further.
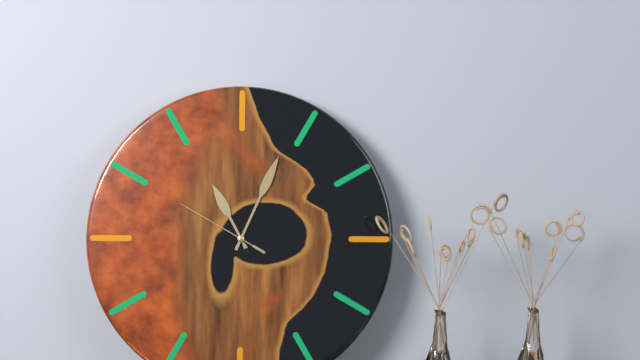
11:04:50
